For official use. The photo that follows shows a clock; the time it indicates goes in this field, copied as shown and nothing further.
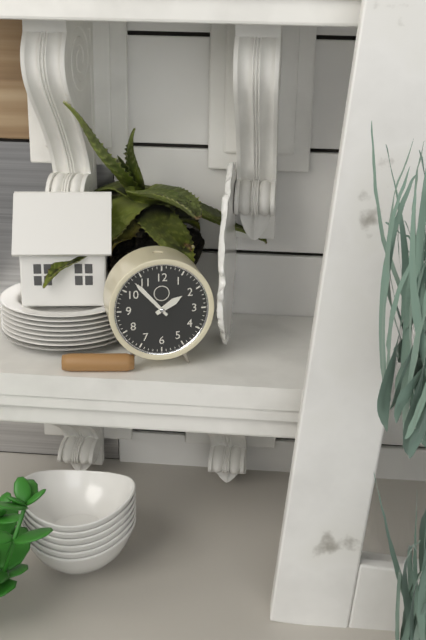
1:53
